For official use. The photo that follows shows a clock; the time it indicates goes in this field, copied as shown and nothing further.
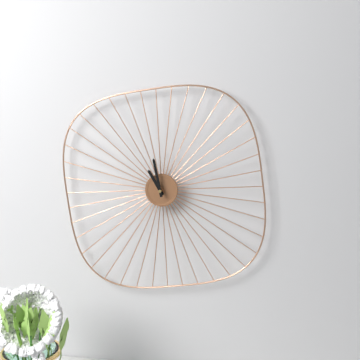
10:58
